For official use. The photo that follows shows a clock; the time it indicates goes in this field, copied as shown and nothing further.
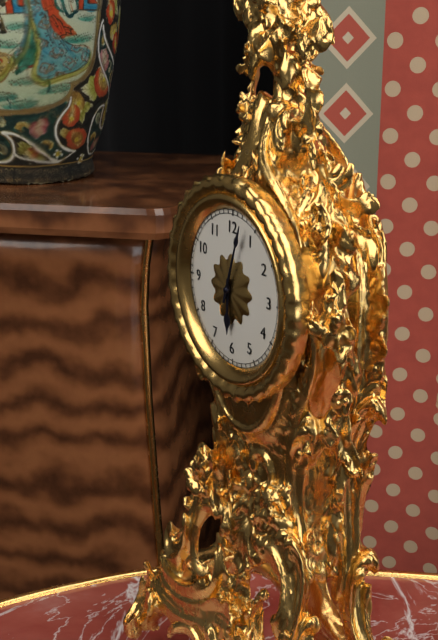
6:03
